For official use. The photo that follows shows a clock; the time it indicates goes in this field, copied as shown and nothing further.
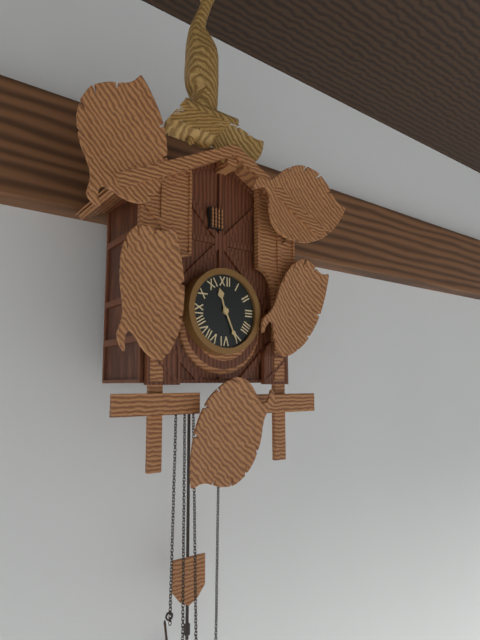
11:26
